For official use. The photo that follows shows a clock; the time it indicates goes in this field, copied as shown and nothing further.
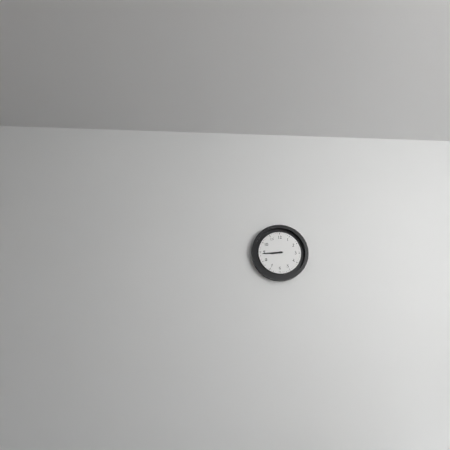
8:44
